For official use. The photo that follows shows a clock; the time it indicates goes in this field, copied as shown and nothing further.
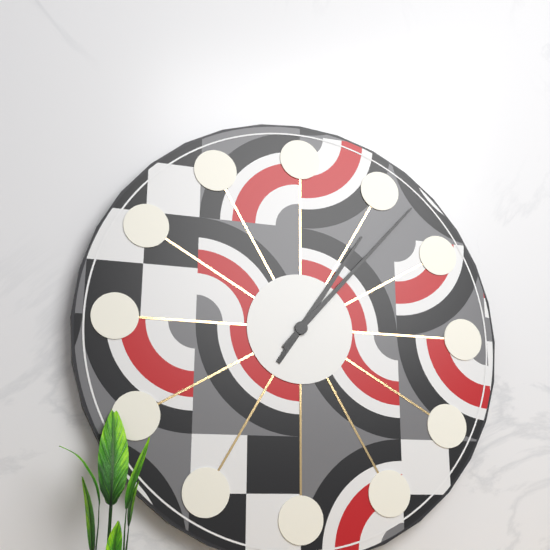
1:07
